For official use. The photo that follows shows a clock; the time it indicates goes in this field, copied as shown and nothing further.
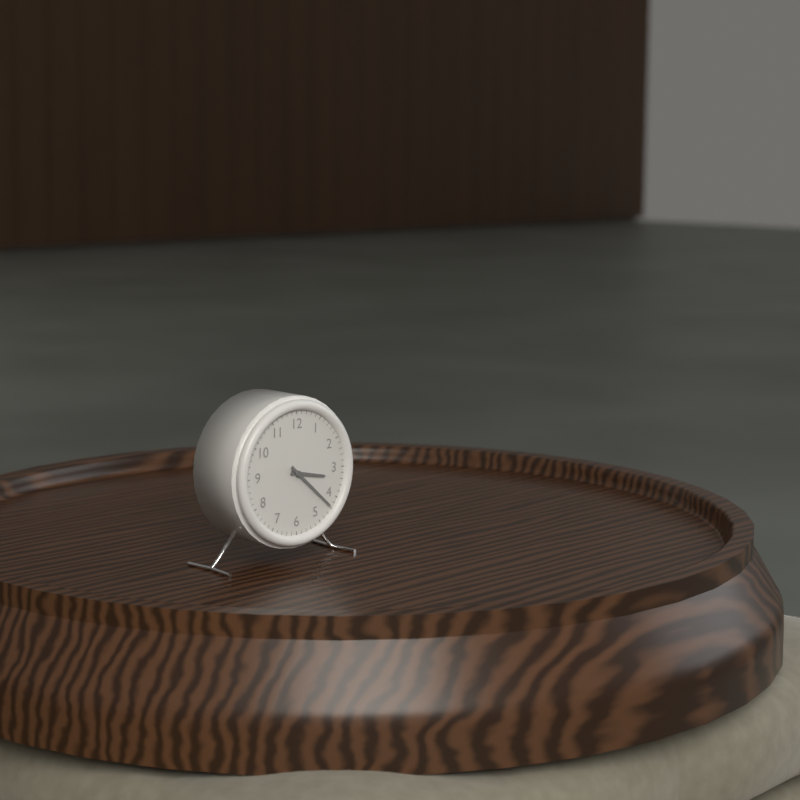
3:22
